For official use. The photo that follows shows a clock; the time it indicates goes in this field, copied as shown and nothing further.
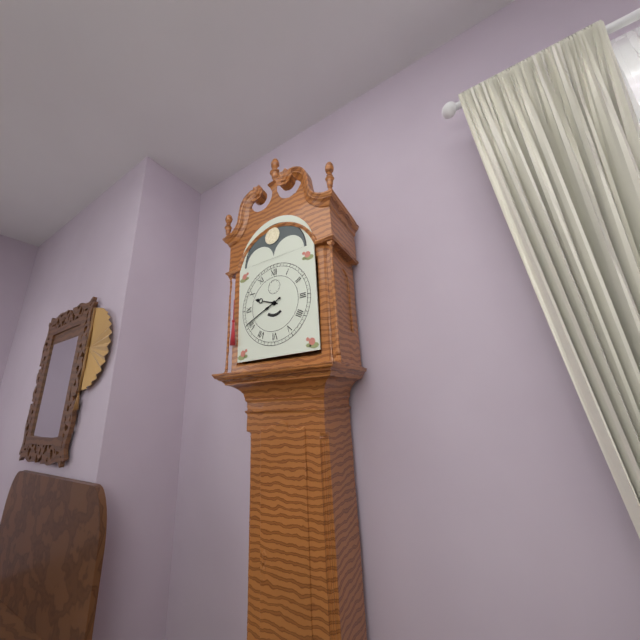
9:41
